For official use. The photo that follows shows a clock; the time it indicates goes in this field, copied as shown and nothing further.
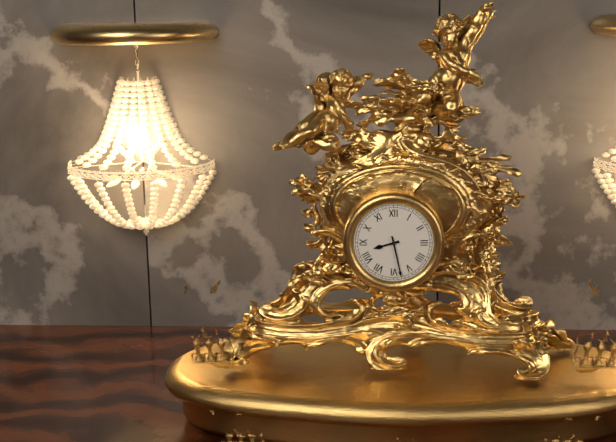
8:28
